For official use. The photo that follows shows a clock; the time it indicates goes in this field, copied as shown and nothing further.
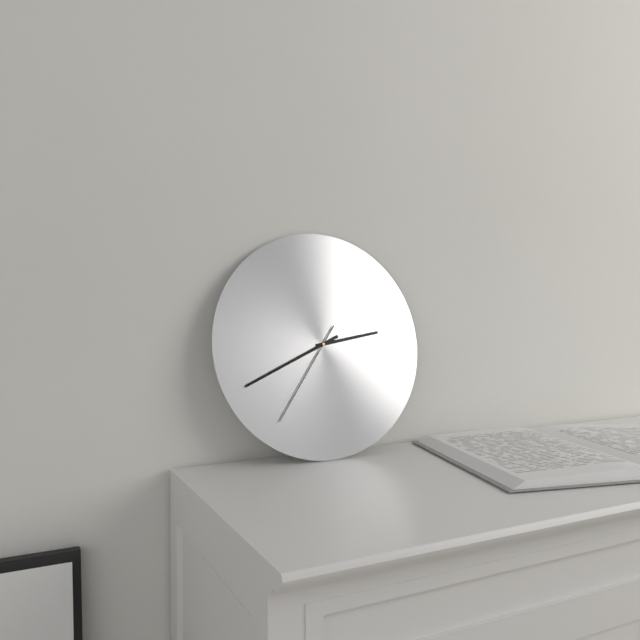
2:41:36
